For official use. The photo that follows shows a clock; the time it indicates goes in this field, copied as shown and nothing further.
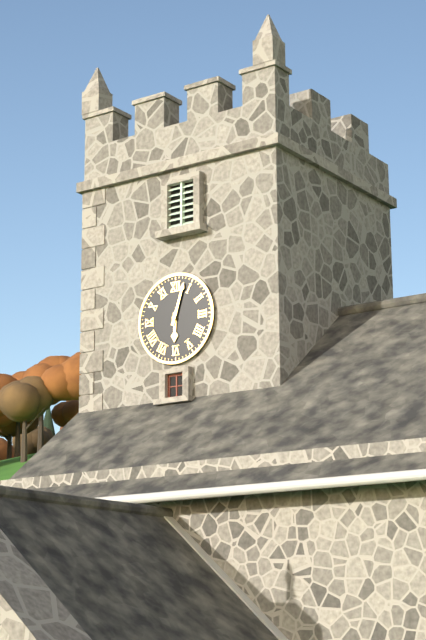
6:03
